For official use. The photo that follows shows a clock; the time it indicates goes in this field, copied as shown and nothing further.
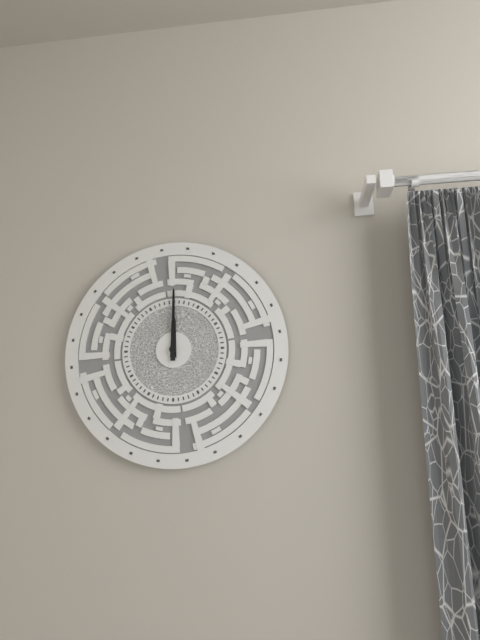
12:00
